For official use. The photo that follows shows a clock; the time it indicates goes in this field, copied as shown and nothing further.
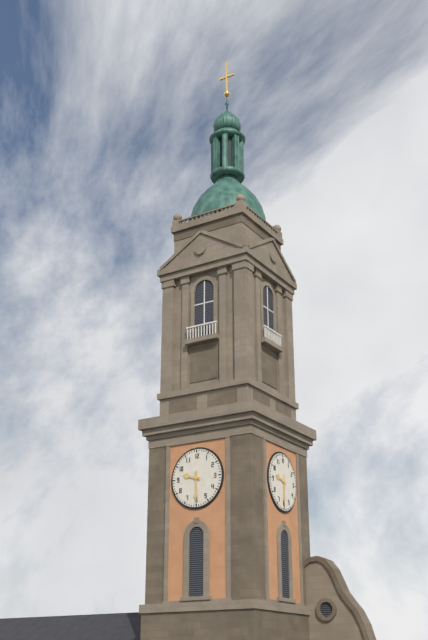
9:30
